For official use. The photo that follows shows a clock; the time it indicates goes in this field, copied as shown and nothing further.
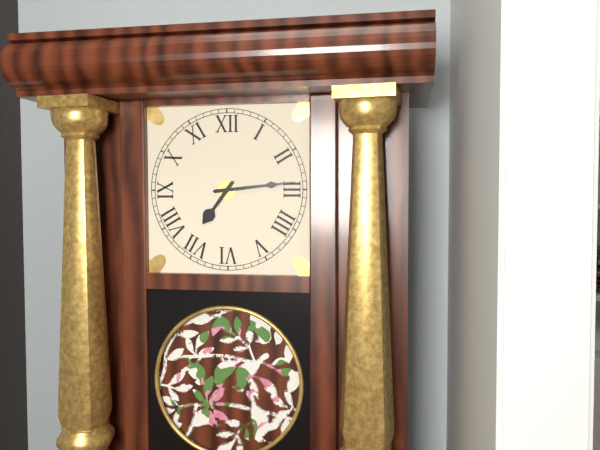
7:14
